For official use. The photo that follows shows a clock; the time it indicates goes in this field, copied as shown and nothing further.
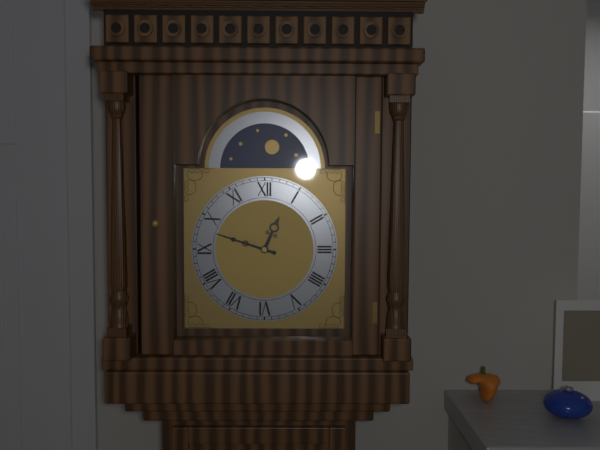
12:48
